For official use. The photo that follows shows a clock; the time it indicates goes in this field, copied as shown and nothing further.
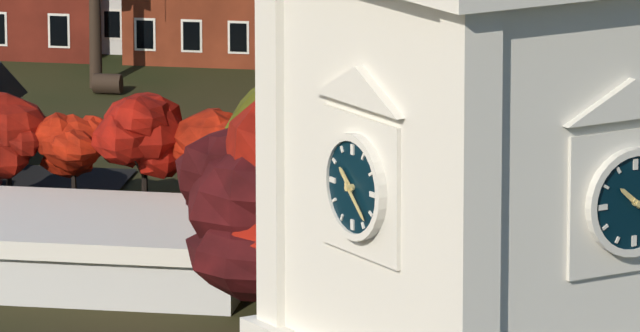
10:22
